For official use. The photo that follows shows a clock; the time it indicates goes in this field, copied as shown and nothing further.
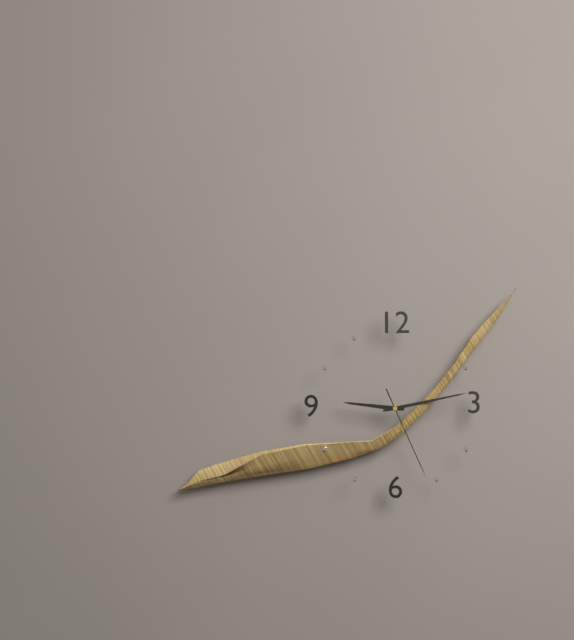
9:13:26
